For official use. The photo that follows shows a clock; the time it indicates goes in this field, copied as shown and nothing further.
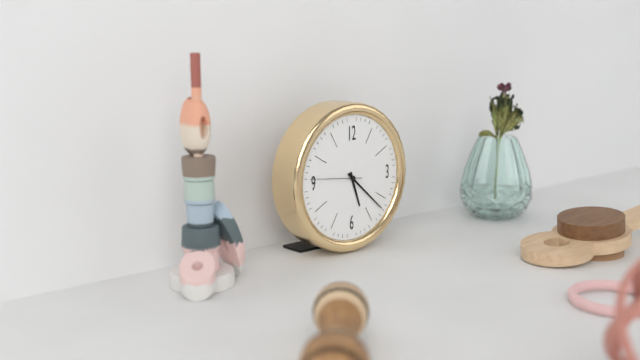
5:22:46
